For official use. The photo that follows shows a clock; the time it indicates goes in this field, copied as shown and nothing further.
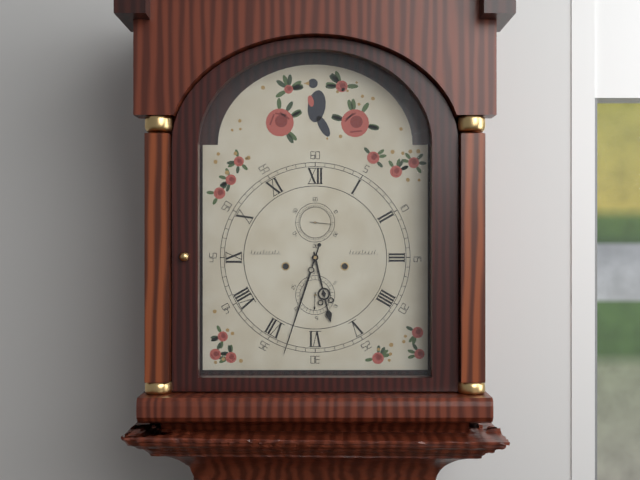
5:33
